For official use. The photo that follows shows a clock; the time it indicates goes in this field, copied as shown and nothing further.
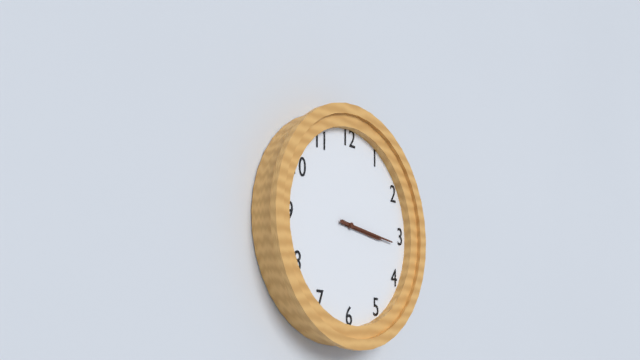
3:16
